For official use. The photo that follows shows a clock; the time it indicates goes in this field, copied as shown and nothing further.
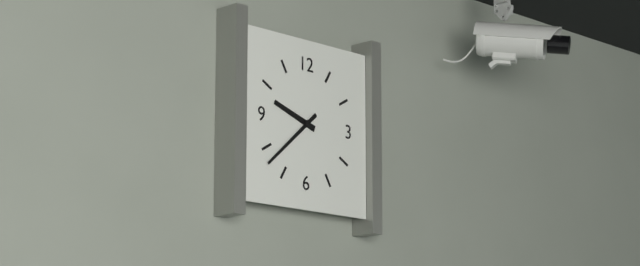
9:38
